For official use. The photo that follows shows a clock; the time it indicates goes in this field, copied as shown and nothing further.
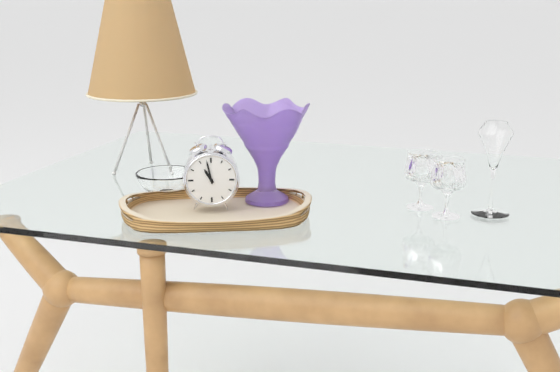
10:58
